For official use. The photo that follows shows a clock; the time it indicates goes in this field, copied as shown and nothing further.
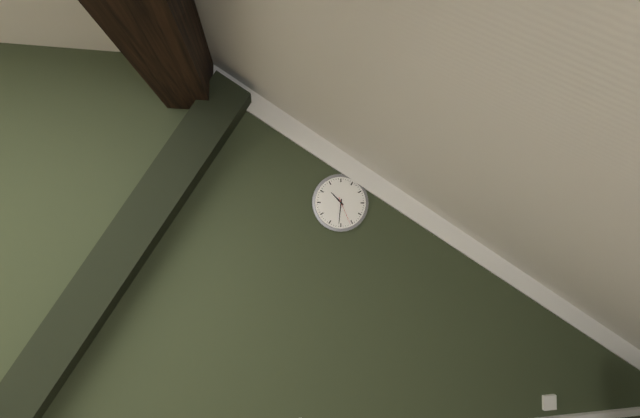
10:31
